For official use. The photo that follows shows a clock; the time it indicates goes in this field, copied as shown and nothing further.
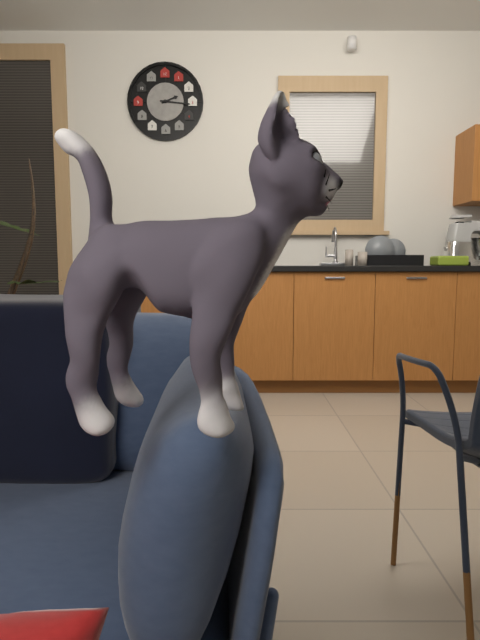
2:16
